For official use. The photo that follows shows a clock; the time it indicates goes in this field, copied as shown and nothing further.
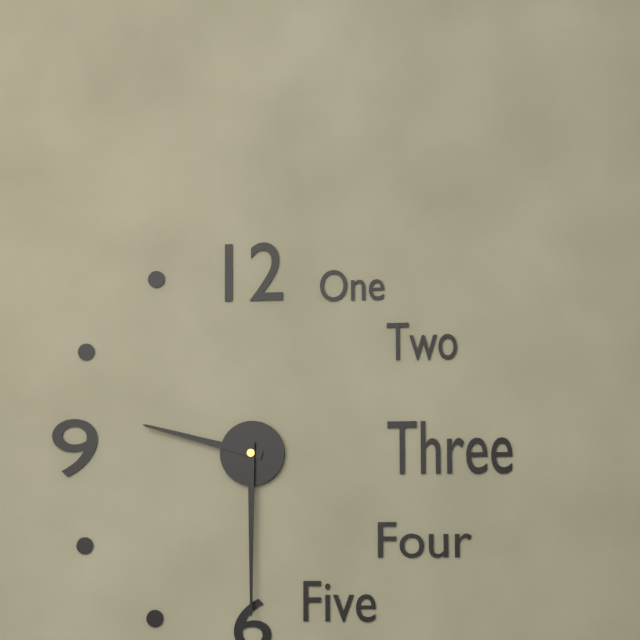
9:30
